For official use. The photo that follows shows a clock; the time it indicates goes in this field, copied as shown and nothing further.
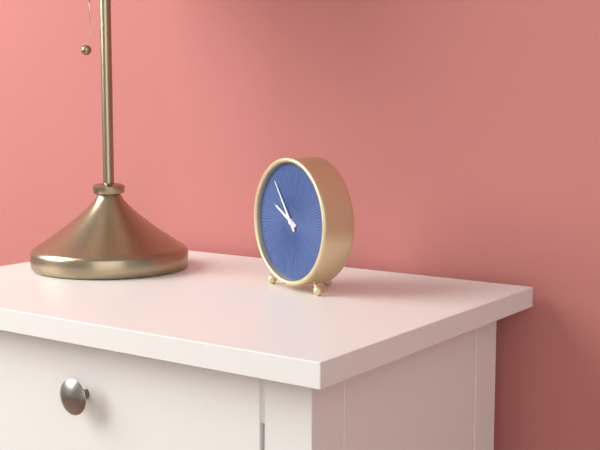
9:54
